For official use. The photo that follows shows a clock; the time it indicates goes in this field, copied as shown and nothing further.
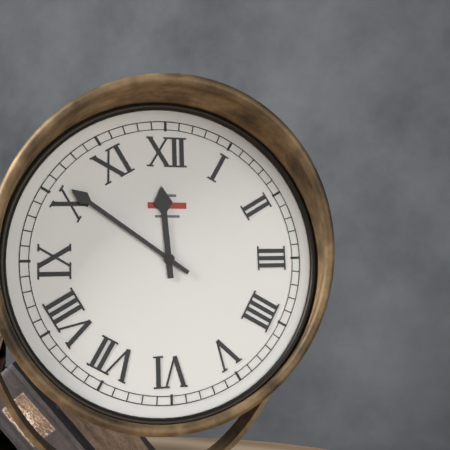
11:51
